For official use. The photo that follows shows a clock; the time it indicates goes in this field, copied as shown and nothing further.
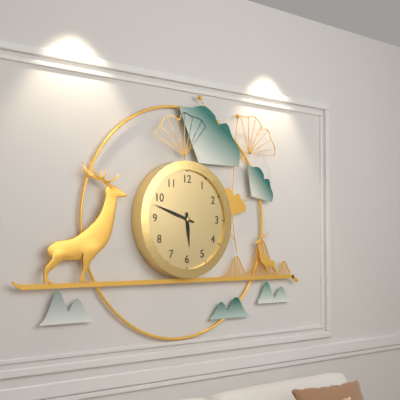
5:48
